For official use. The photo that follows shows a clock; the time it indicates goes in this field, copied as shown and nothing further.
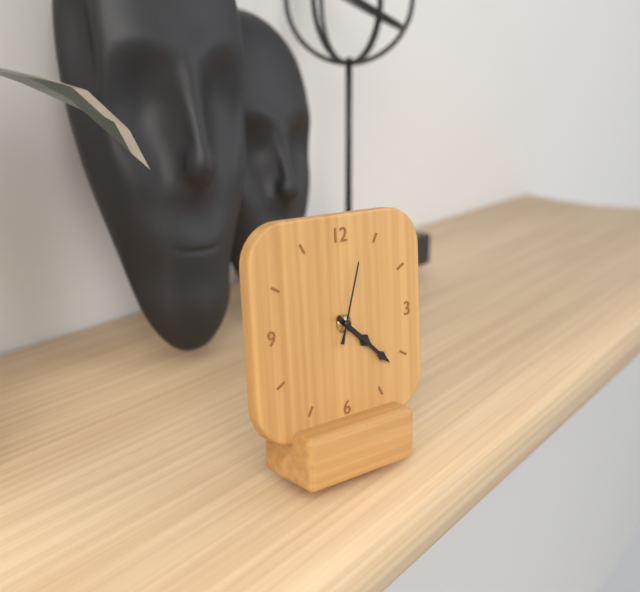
4:22:03
